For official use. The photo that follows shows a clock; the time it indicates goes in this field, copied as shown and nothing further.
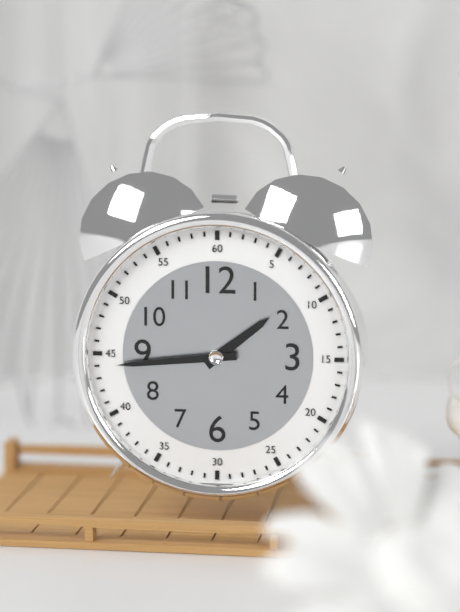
1:44
